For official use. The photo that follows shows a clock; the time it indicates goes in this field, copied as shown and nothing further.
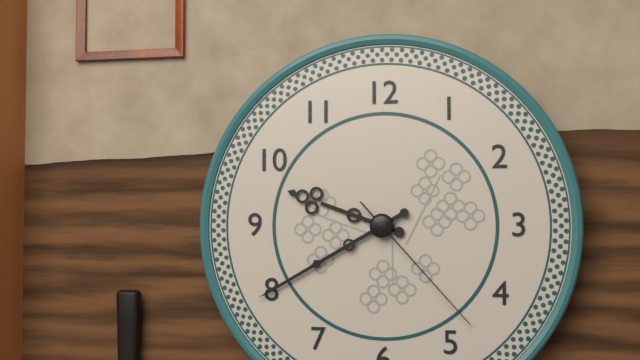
9:40:23
